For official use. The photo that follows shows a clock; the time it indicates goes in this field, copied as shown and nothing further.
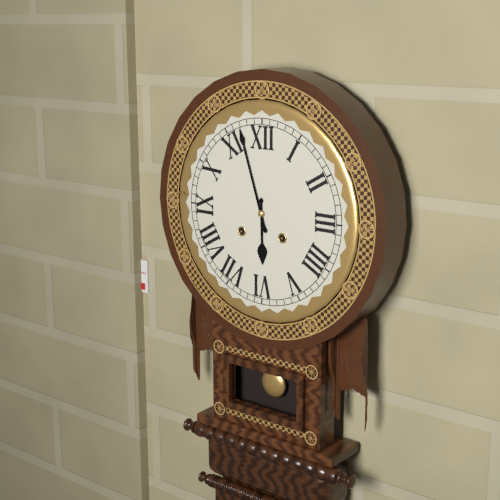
5:57
